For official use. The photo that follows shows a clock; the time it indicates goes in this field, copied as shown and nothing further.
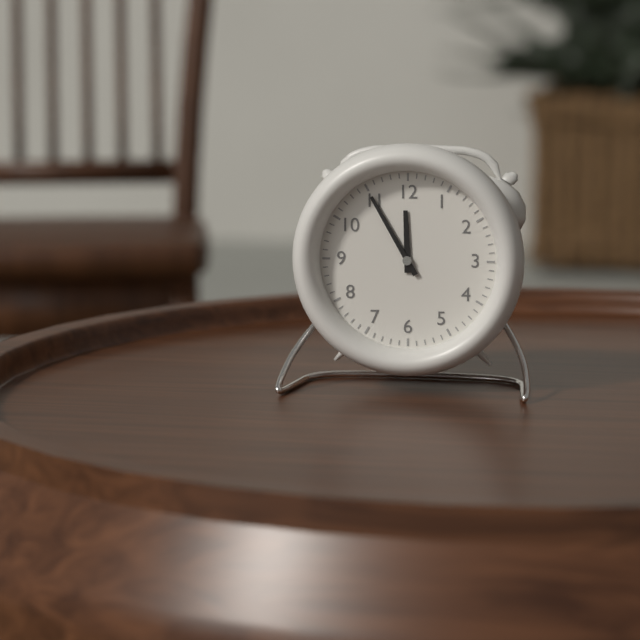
11:55
